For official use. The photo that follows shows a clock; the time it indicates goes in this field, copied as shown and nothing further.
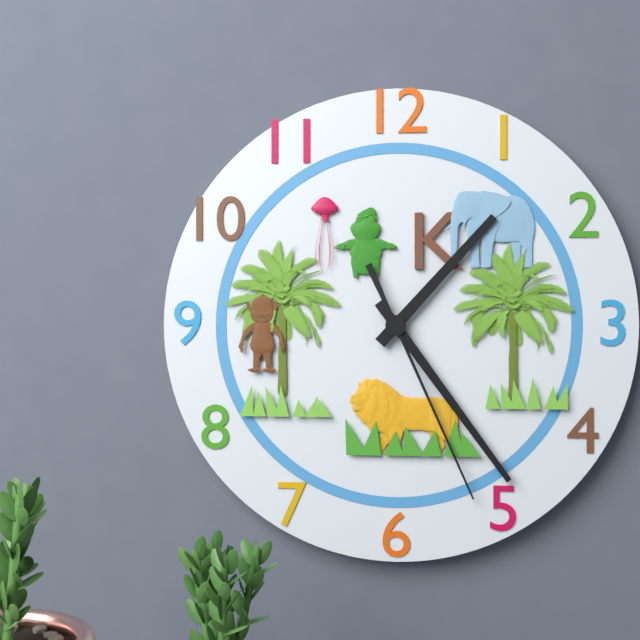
1:24:26
